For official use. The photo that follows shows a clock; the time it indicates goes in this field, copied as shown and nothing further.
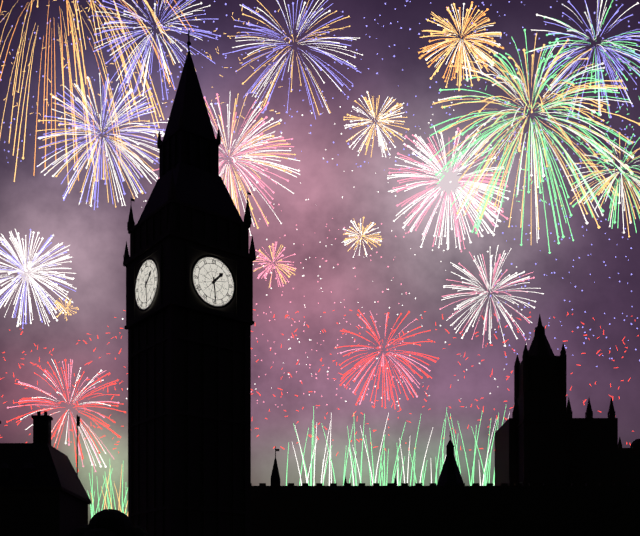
1:29
